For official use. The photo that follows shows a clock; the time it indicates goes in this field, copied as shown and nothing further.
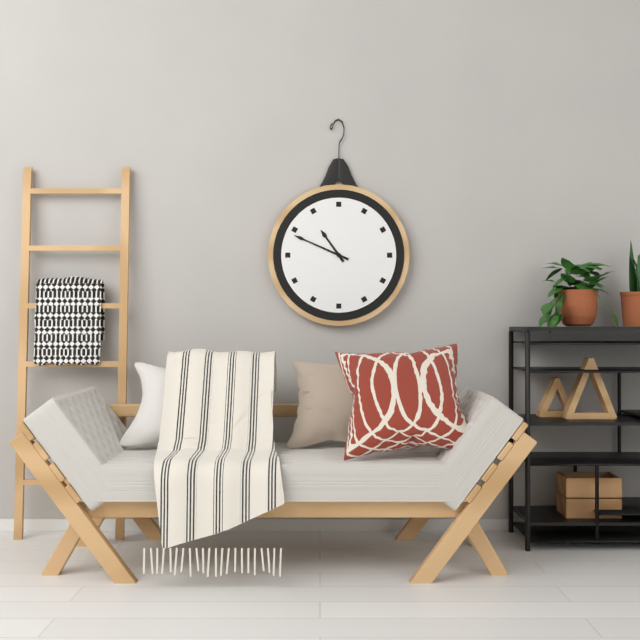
10:49
